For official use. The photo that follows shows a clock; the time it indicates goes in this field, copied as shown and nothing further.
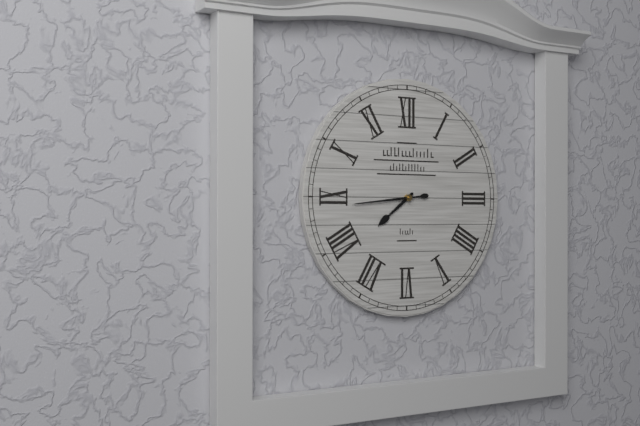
7:44
